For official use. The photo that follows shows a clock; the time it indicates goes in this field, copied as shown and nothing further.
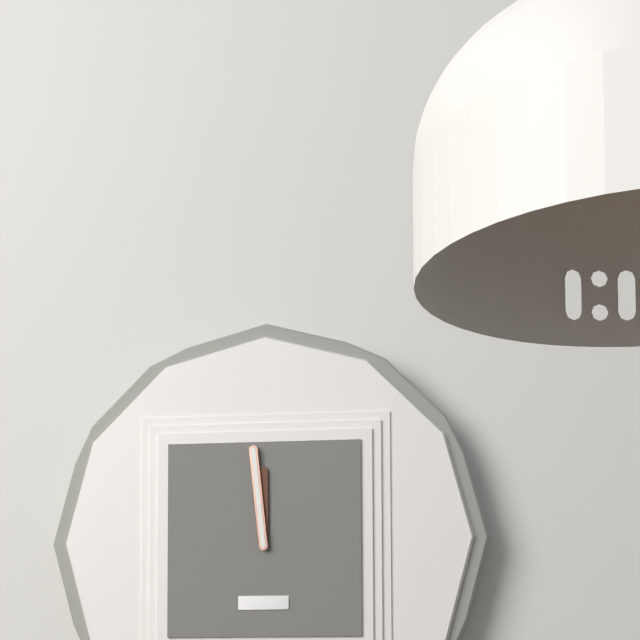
11:59
